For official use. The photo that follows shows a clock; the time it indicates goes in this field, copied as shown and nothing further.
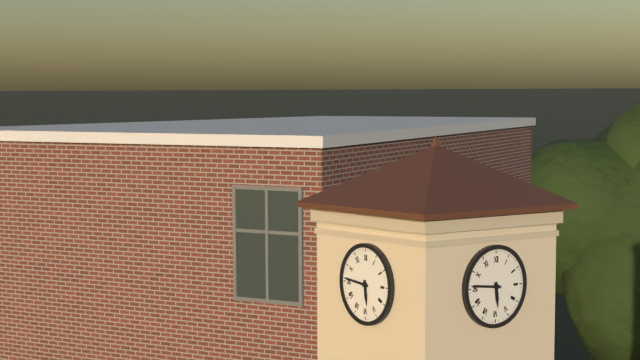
5:46
